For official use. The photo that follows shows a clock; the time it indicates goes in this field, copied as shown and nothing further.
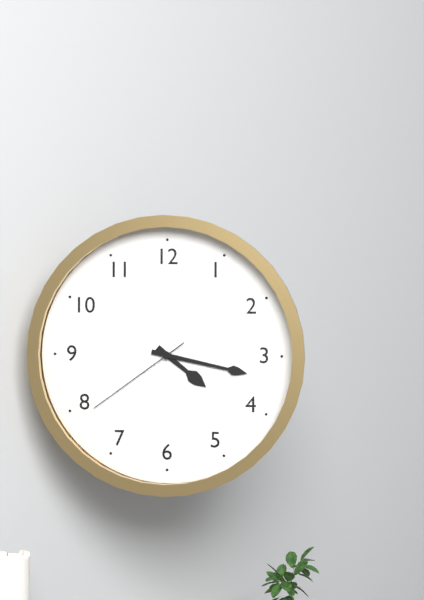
4:17:39
